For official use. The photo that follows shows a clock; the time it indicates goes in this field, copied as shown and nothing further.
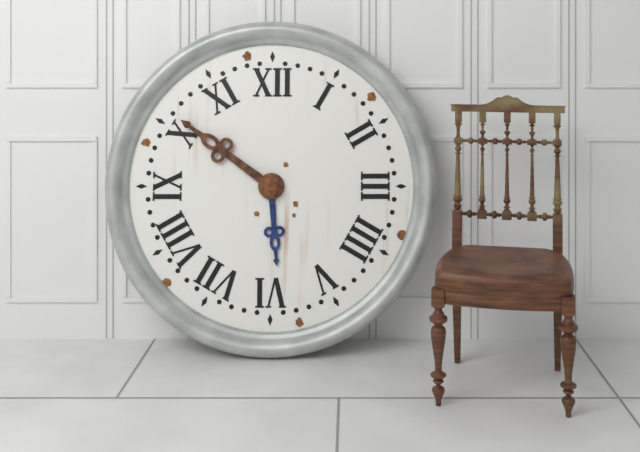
5:51
